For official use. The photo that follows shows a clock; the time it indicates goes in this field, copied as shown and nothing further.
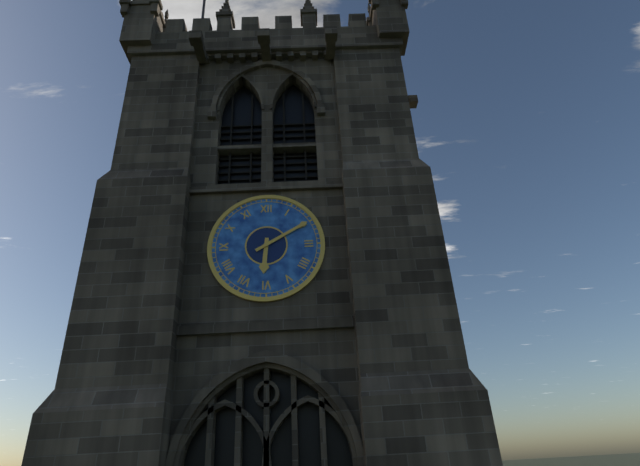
6:10
